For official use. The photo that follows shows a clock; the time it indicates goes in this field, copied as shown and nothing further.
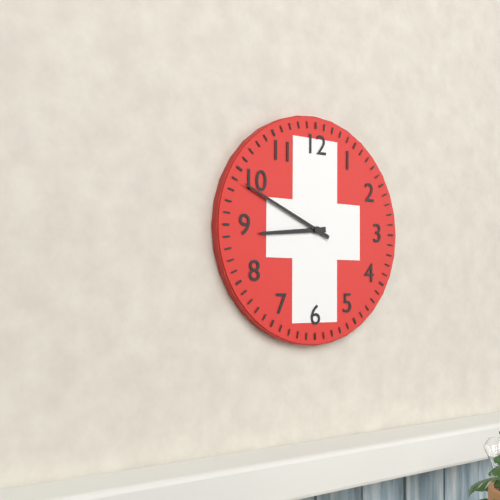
8:49
